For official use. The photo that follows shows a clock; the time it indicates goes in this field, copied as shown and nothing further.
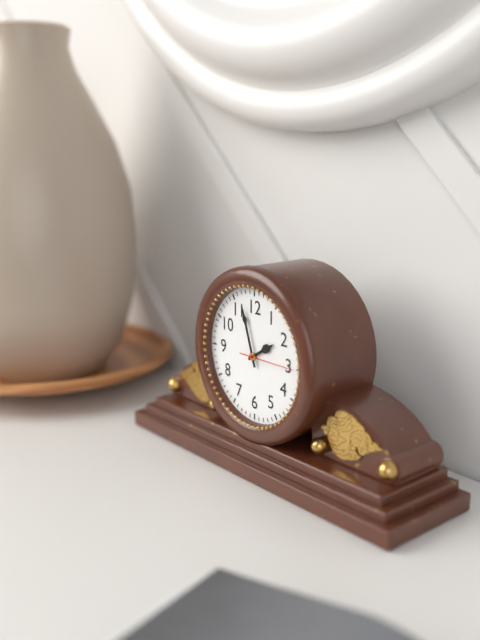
1:57:15
